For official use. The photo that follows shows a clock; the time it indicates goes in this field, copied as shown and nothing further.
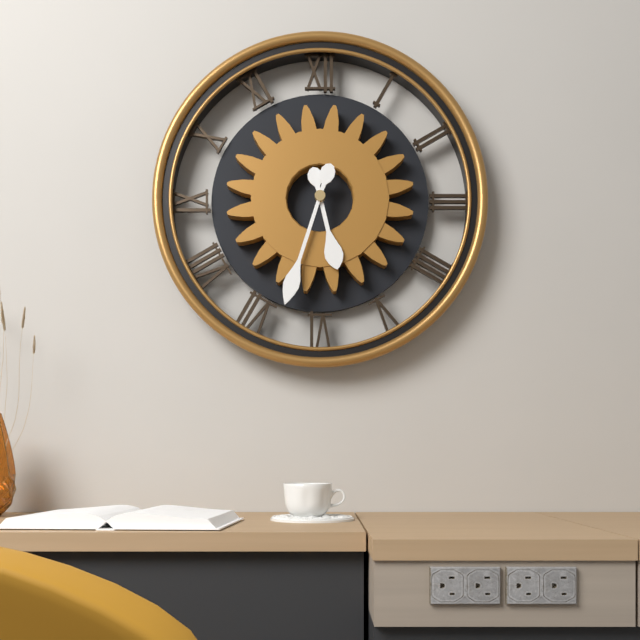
5:33
